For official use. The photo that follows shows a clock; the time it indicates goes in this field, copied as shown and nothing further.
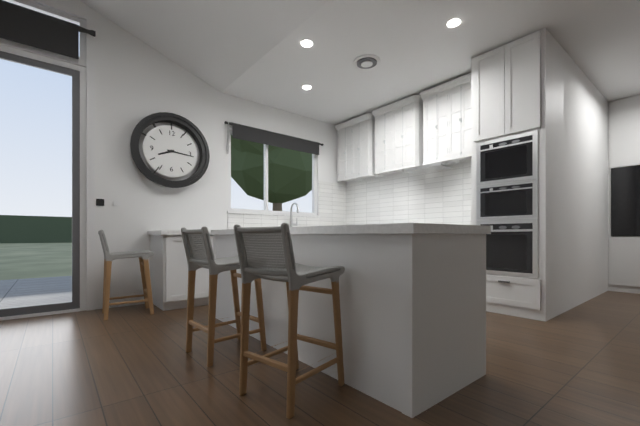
8:16
